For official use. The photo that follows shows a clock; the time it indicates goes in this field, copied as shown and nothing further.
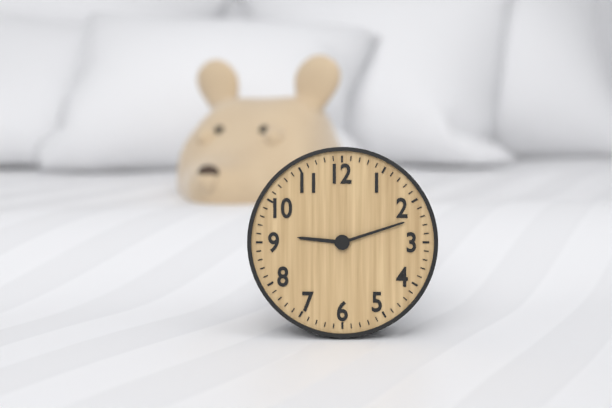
9:12
